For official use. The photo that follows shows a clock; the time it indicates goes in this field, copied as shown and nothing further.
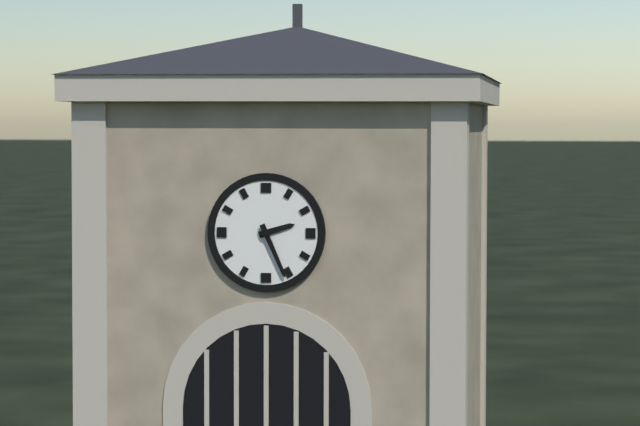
2:26
